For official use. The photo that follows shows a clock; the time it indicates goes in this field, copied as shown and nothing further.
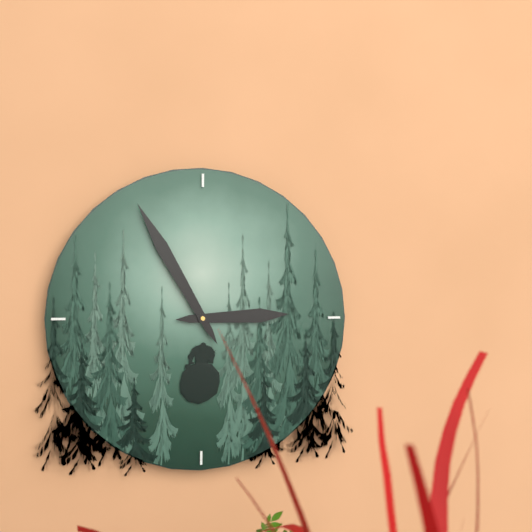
2:55
